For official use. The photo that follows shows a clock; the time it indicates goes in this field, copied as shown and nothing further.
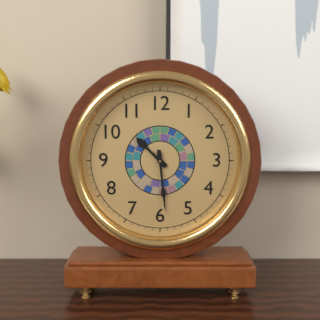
10:29
